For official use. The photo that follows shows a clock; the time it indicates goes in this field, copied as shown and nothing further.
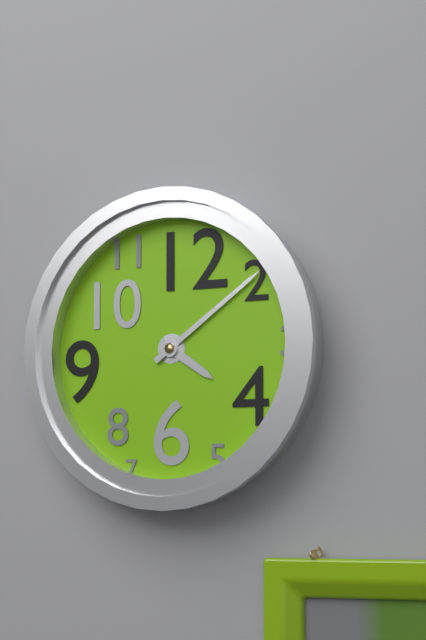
4:09
